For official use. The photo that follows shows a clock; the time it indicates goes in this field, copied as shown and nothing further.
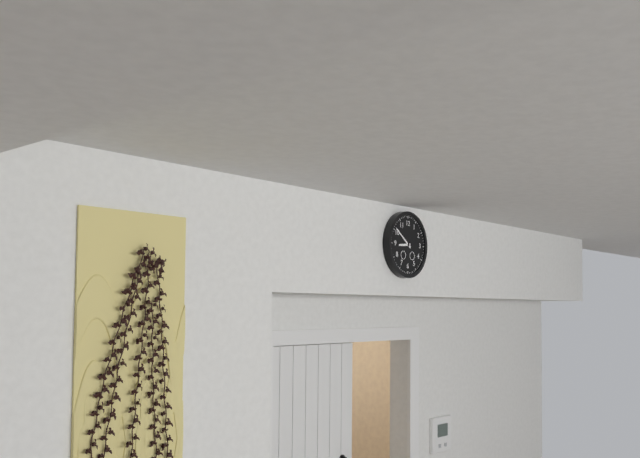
8:51
